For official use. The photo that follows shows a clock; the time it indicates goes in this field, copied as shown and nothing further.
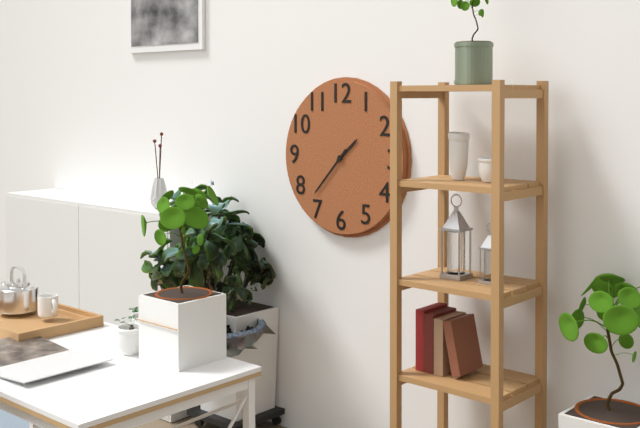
1:37
